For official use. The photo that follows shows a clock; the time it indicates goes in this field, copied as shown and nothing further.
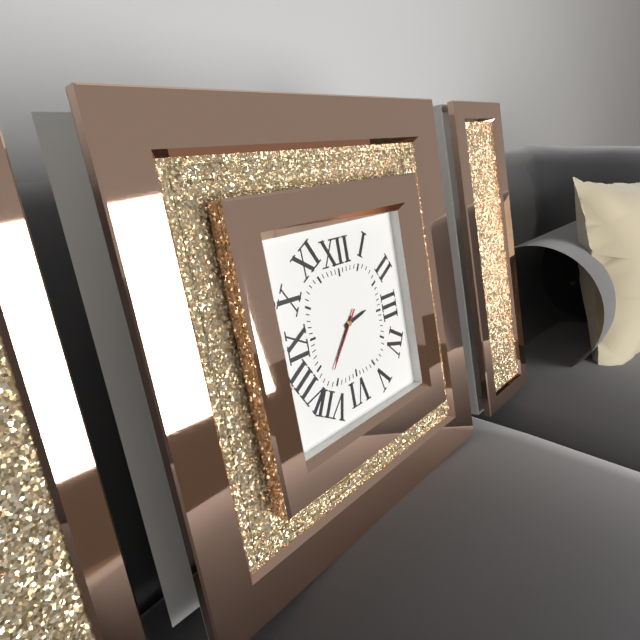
2:37:37
